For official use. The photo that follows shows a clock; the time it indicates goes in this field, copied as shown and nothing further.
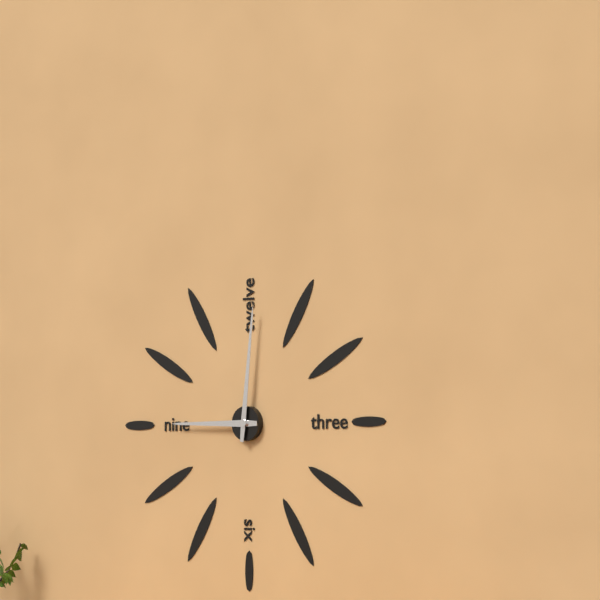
9:01
